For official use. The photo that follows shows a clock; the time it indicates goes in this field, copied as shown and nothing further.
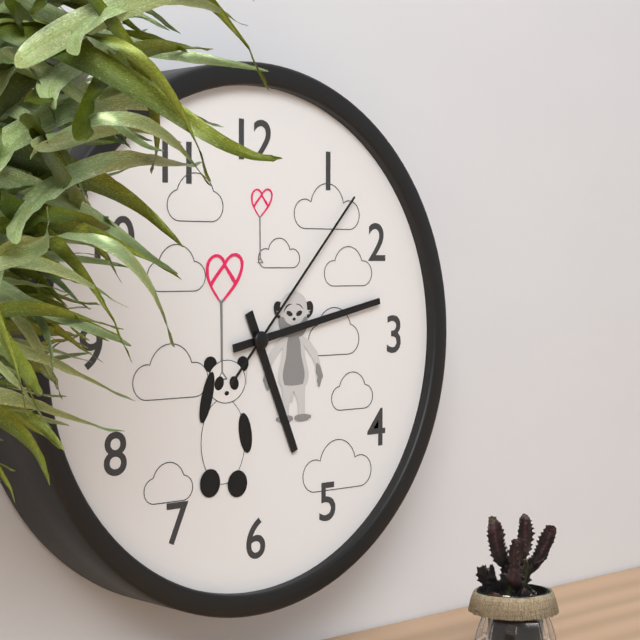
5:13:07
